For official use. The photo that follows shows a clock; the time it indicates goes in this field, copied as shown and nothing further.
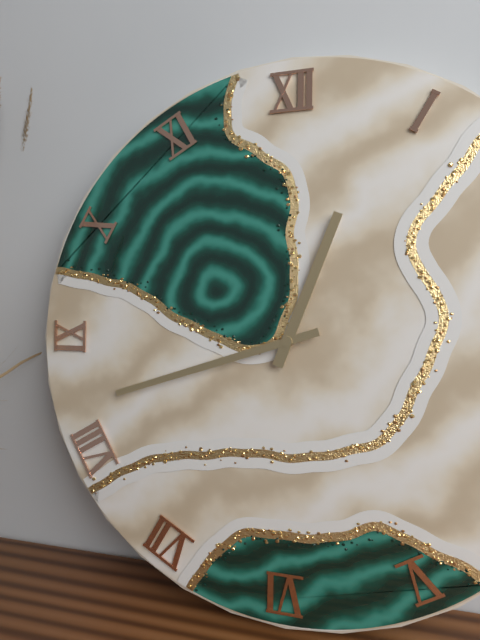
12:42
